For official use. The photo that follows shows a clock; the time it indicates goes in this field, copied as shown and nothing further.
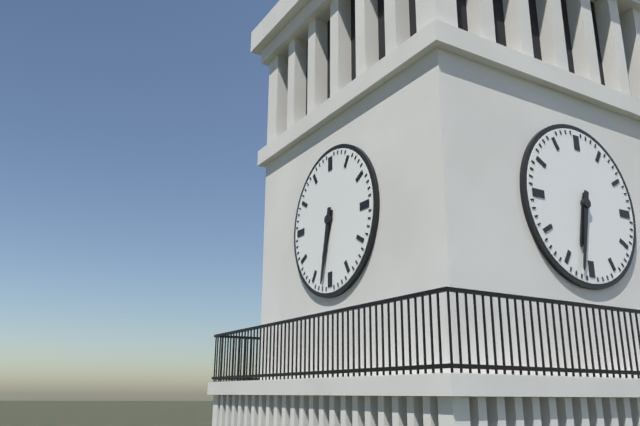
6:32
